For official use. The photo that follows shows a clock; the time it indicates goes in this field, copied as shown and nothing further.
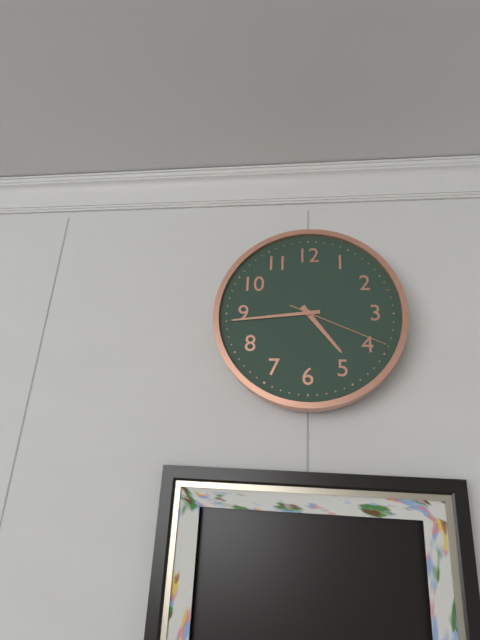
4:44:19
